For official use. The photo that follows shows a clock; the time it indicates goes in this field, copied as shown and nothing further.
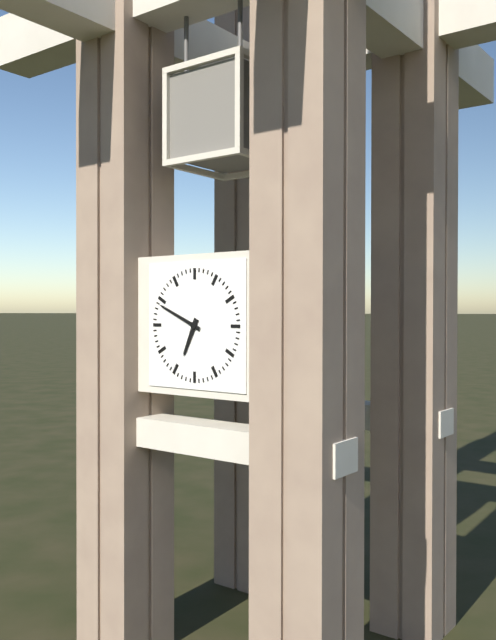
6:49
